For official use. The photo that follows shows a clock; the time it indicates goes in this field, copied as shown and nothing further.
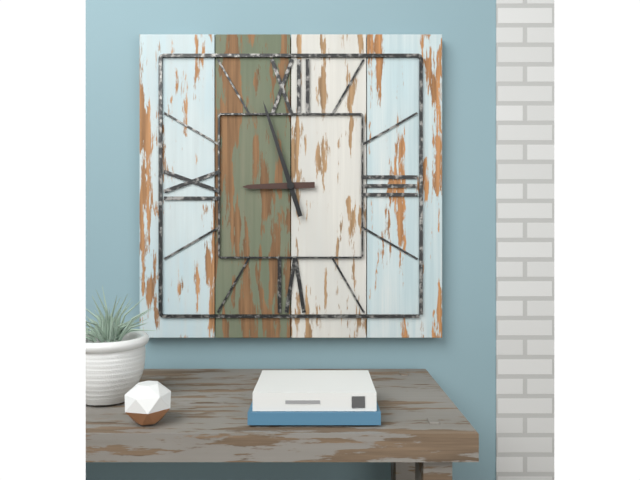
8:57
